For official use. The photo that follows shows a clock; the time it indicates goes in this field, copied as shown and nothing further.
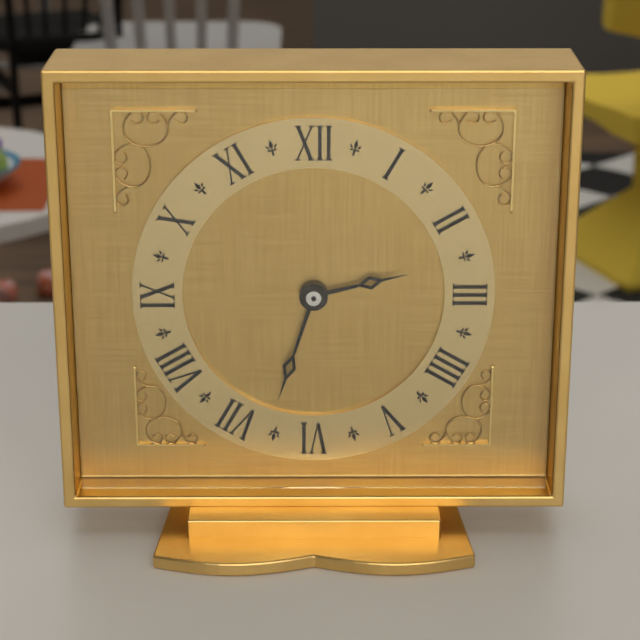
2:33
